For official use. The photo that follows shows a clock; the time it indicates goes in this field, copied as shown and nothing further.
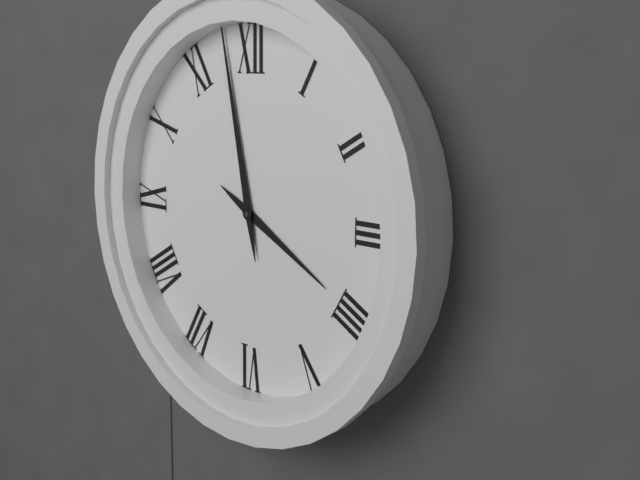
3:58
